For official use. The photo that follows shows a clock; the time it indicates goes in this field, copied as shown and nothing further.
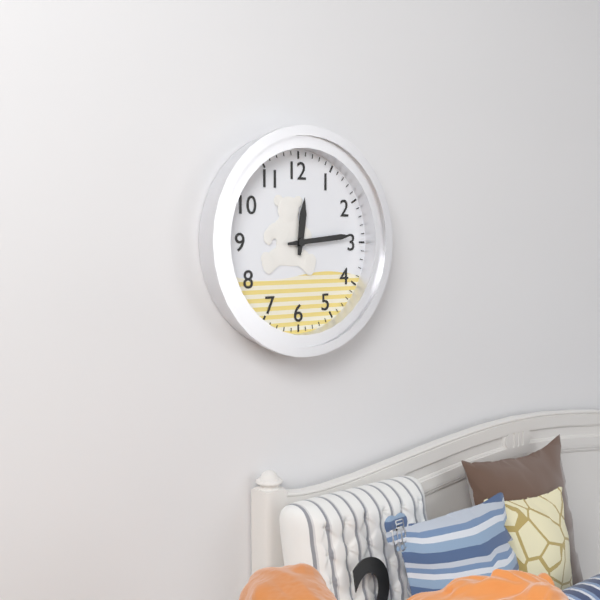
12:14
